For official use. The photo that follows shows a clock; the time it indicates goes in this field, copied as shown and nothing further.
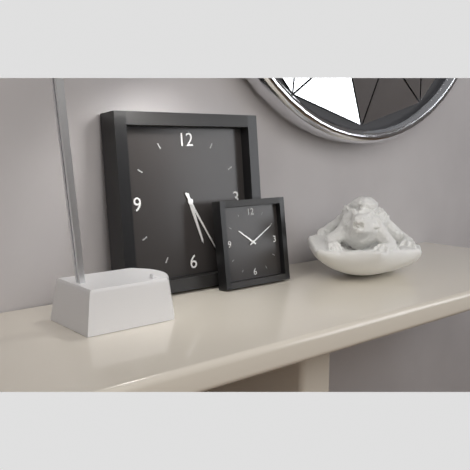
5:25
